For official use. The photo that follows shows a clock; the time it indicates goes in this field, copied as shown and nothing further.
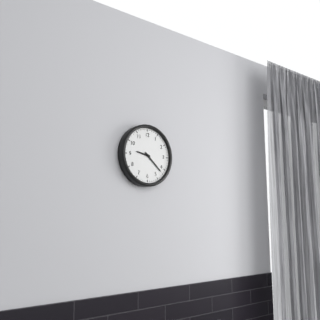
9:22
